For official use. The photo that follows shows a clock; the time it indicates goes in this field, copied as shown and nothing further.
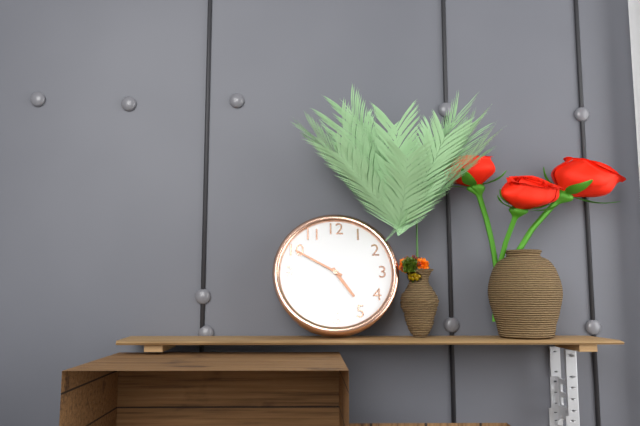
4:50
